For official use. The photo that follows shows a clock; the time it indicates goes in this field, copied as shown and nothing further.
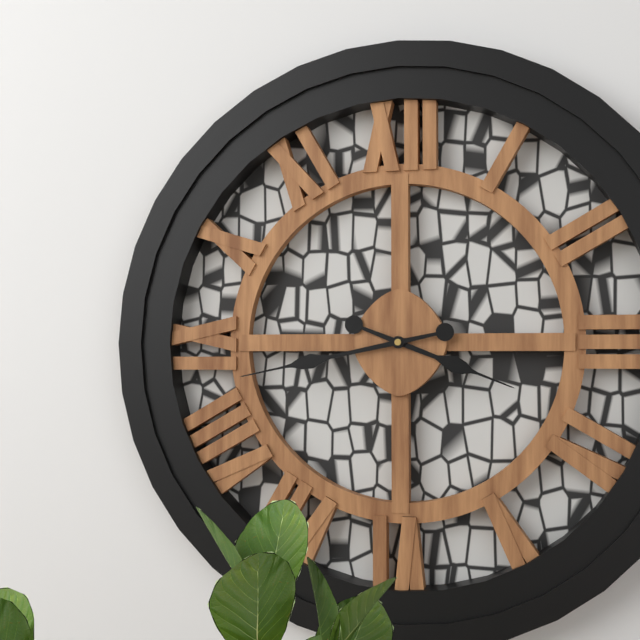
3:43
